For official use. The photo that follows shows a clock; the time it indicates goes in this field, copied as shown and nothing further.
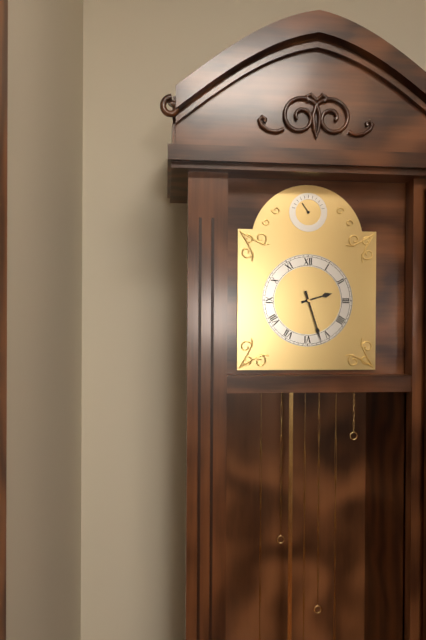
2:27
